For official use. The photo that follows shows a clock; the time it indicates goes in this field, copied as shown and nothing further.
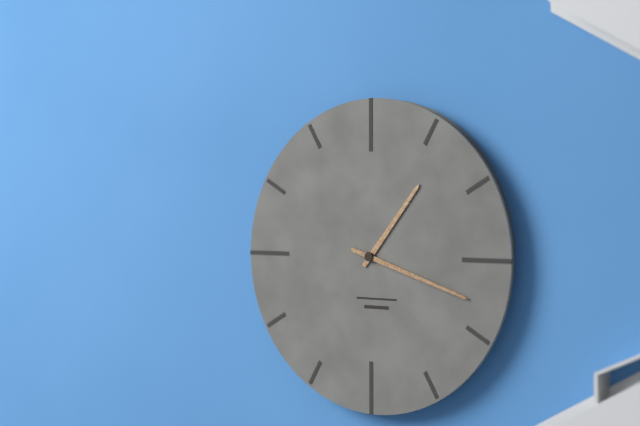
1:18
